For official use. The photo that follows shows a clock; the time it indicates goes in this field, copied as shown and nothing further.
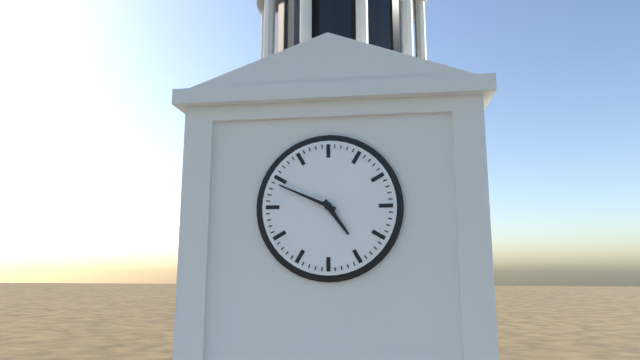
4:49
